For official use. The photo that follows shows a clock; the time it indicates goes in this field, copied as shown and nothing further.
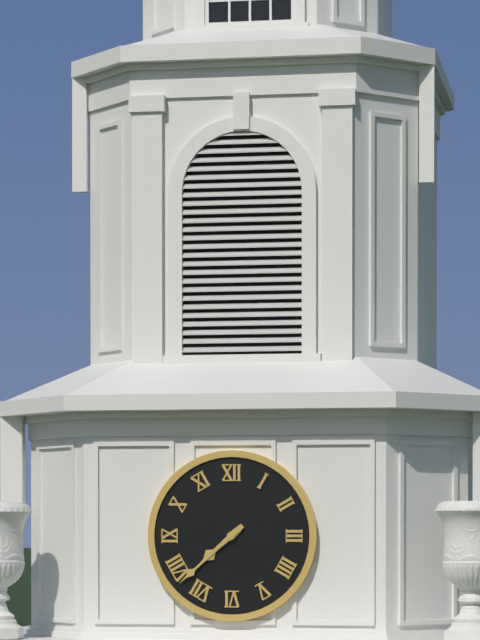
7:38
